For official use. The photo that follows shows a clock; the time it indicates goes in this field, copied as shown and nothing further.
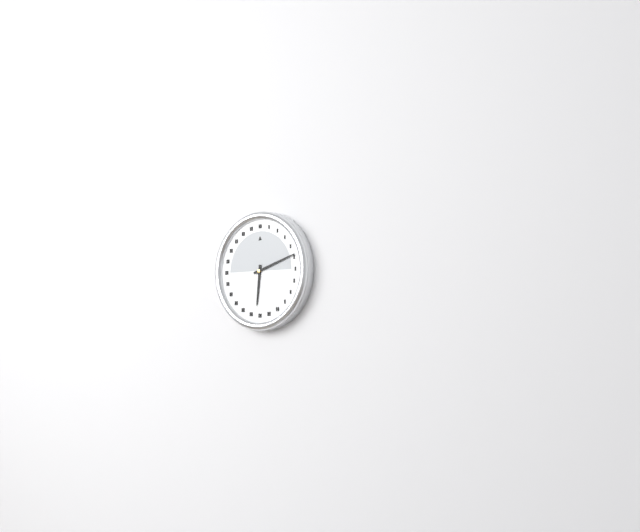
6:12
